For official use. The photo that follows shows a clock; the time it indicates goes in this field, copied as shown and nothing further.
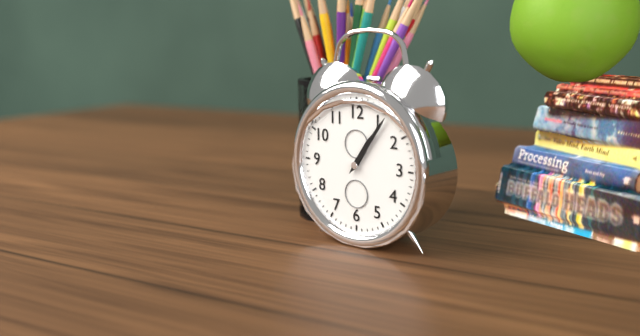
1:06
